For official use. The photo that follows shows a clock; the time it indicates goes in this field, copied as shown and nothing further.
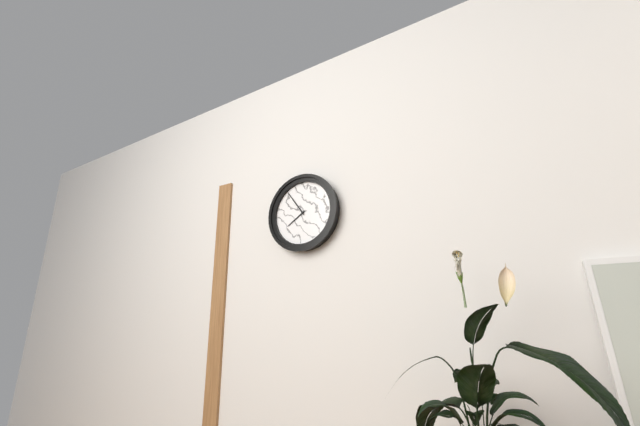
7:54
